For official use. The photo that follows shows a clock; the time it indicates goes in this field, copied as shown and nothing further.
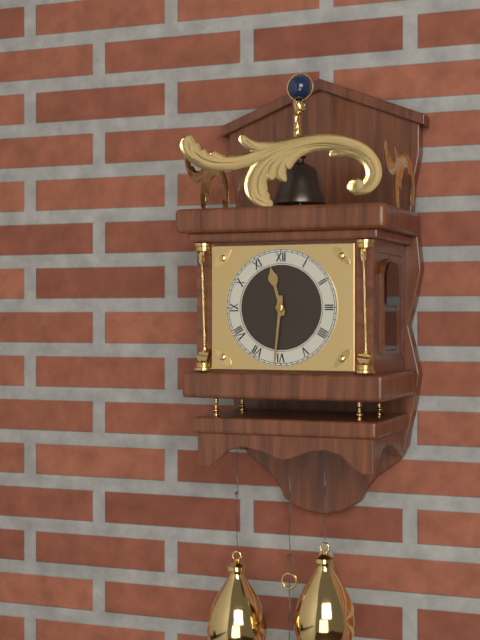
11:31
